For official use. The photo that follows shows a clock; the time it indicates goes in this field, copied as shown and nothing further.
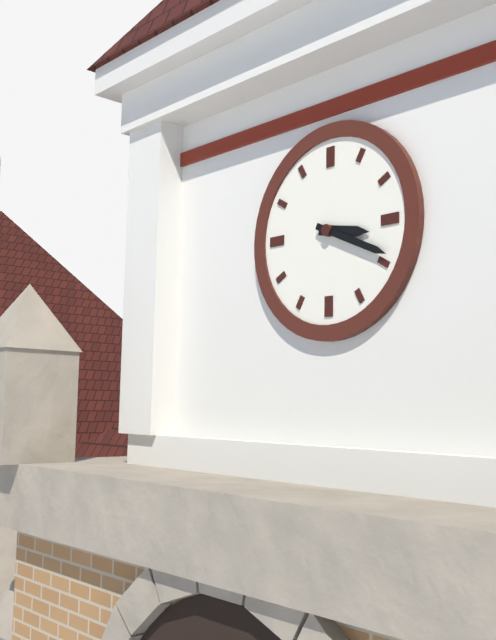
3:19
